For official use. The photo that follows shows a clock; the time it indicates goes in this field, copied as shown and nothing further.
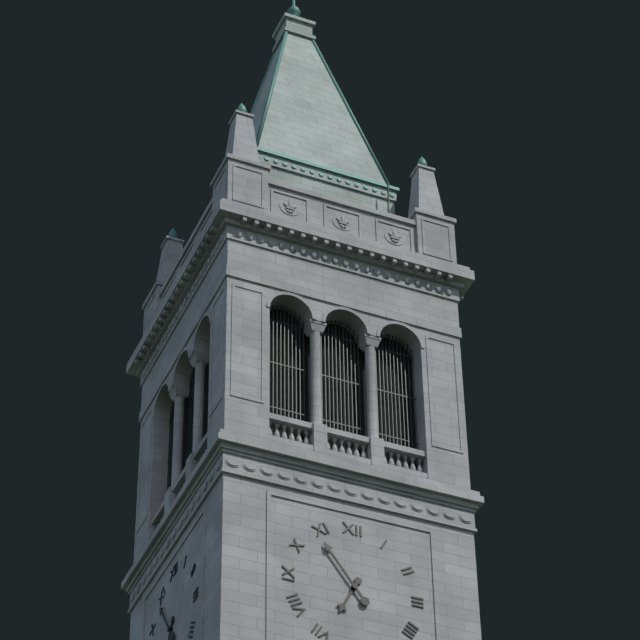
6:54
